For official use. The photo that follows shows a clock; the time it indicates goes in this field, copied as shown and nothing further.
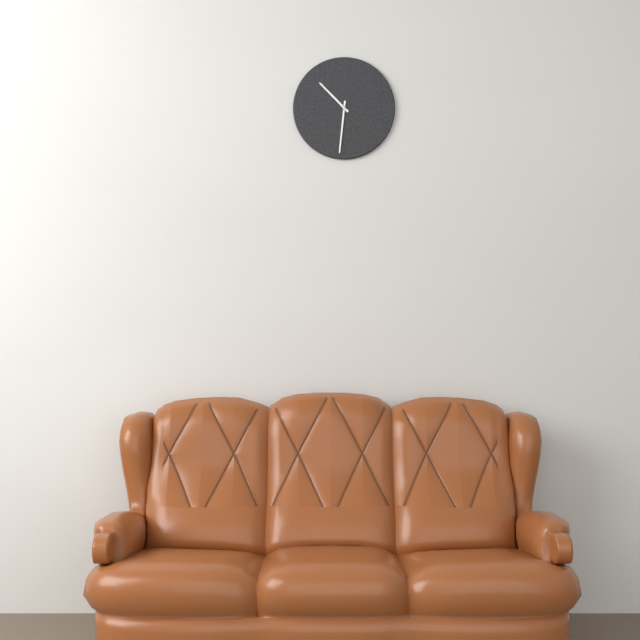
10:31
